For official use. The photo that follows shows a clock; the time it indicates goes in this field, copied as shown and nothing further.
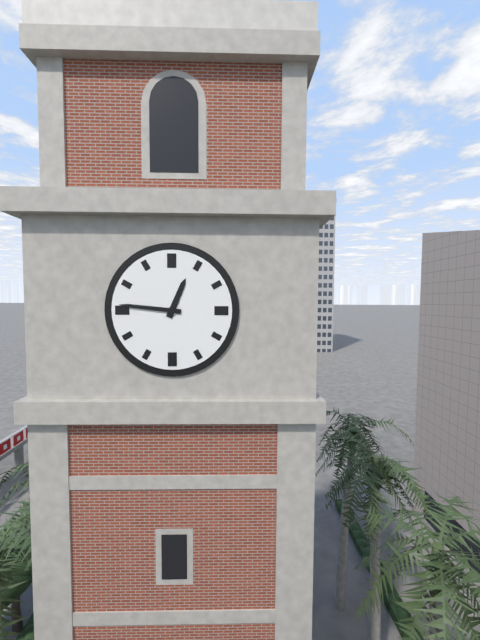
12:46
